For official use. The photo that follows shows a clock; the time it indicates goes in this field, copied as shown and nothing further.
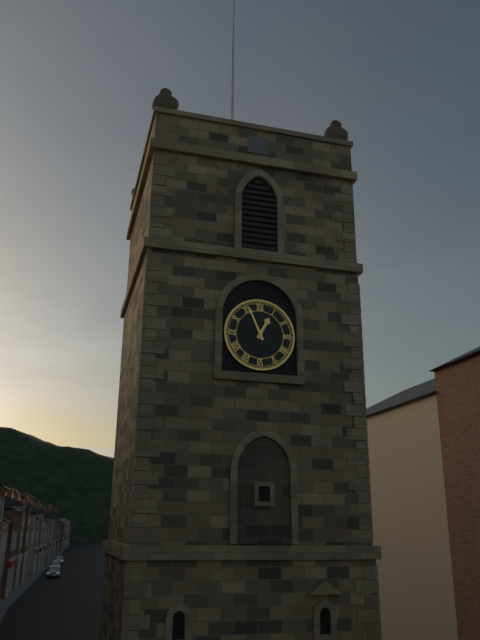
12:56
